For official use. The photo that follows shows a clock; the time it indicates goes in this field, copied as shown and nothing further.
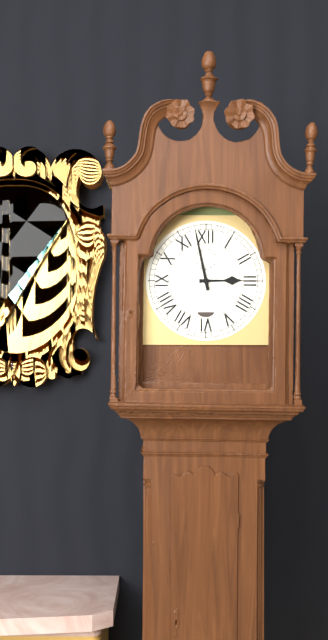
2:58
